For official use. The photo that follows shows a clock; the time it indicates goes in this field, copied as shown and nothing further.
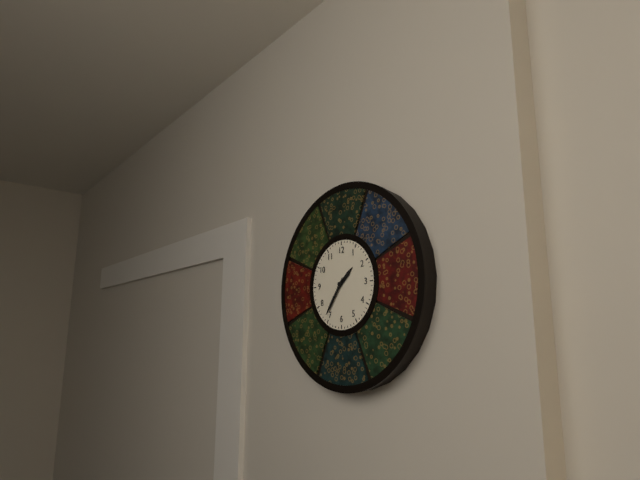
1:36
